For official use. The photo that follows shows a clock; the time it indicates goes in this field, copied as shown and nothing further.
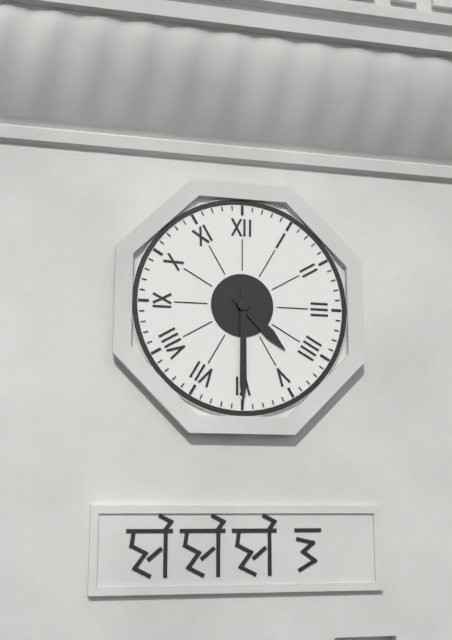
4:30
